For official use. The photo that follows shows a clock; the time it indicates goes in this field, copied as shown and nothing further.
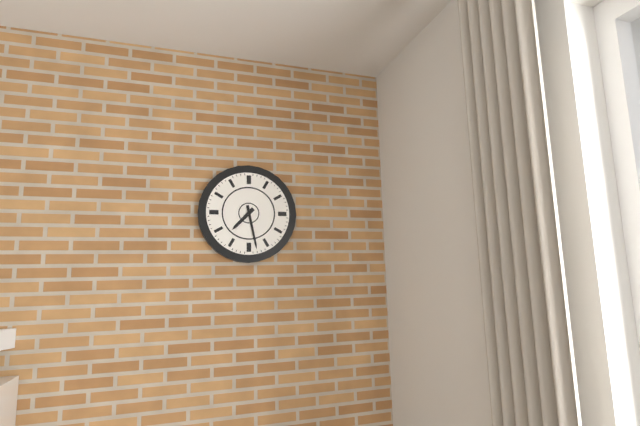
7:28
